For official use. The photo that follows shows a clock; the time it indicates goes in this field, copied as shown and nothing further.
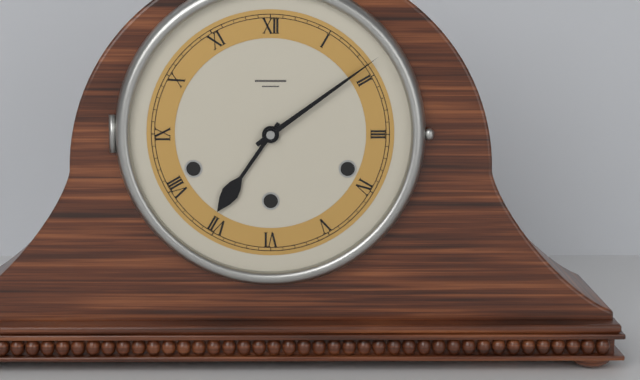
7:09
